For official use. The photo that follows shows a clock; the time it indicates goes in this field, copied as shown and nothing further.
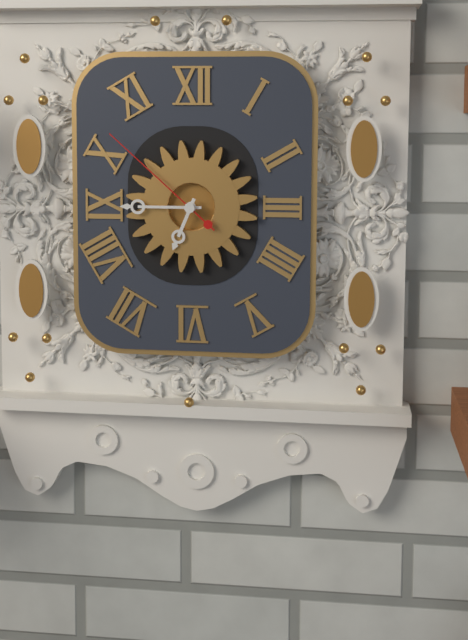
6:45:52
